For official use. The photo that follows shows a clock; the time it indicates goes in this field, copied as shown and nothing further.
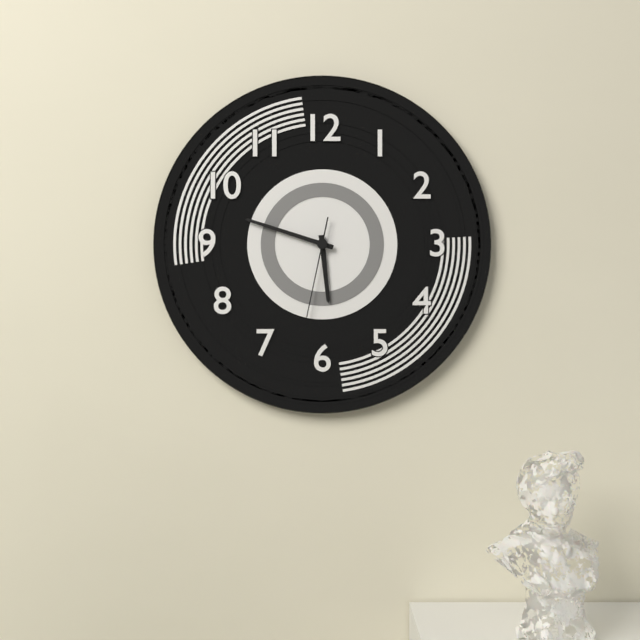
5:48:32
